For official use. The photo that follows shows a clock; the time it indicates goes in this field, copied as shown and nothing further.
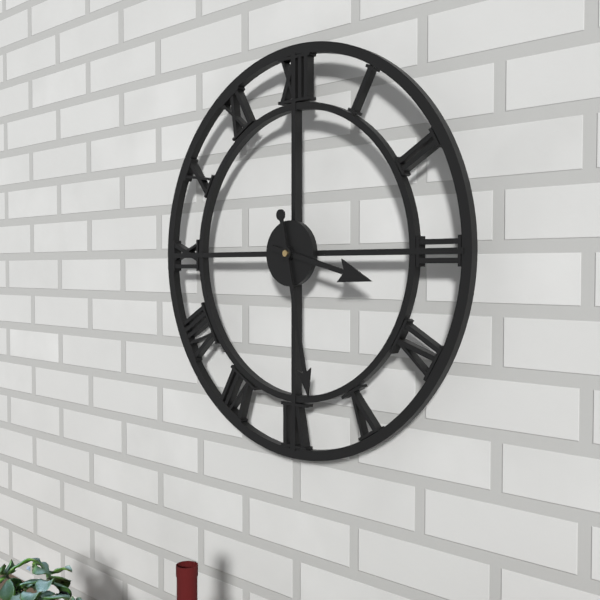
3:28
